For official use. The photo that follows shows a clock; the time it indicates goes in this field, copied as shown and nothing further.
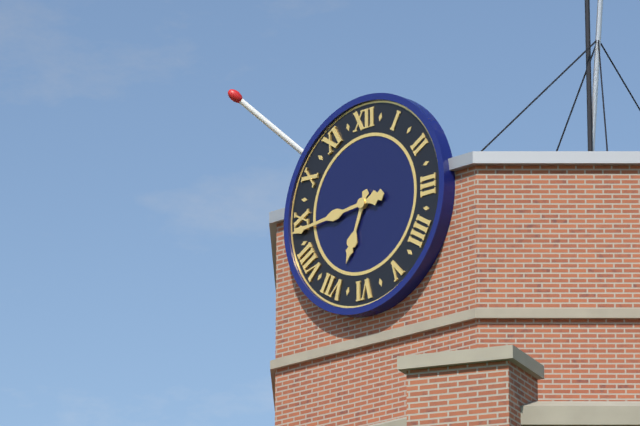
6:44
